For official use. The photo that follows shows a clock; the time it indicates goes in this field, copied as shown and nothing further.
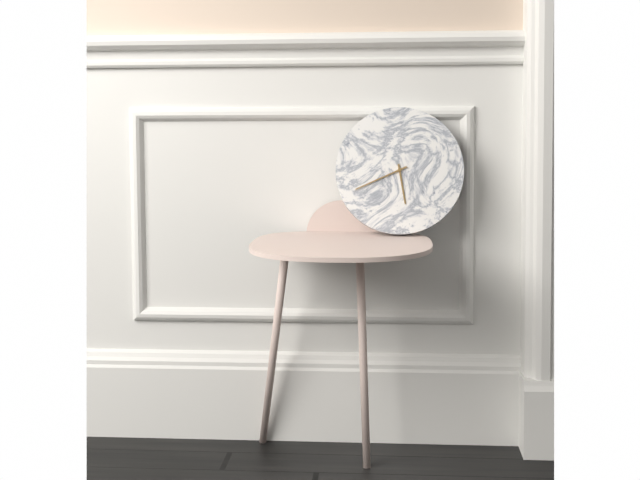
5:41
